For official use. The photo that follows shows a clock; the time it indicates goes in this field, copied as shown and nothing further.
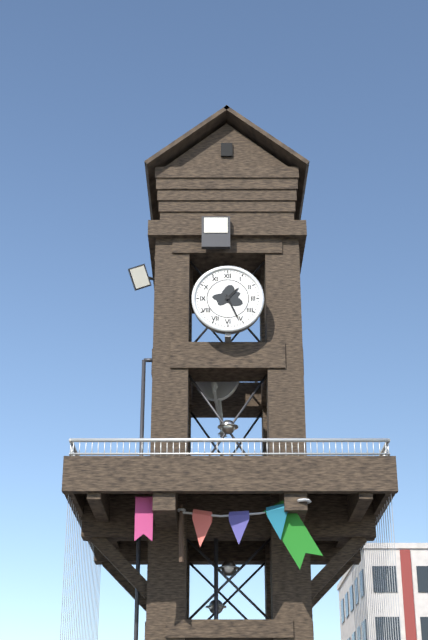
1:26
